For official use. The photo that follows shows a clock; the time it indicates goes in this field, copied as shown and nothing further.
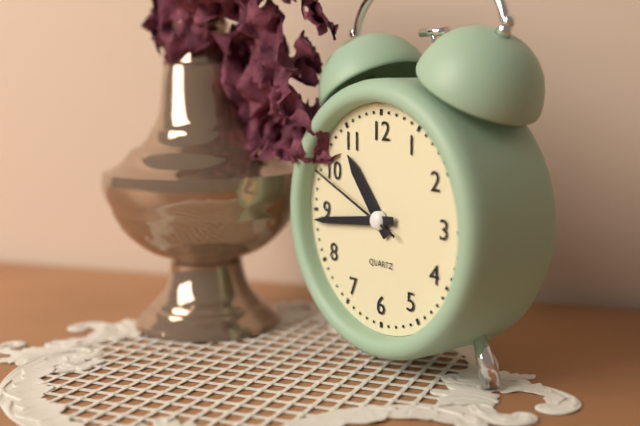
10:44:49
